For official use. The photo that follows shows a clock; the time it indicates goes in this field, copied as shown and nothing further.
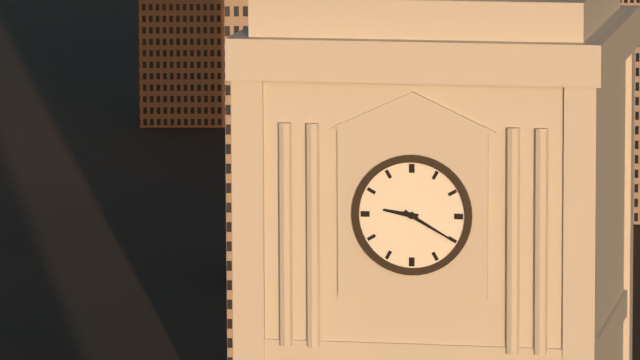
9:20
